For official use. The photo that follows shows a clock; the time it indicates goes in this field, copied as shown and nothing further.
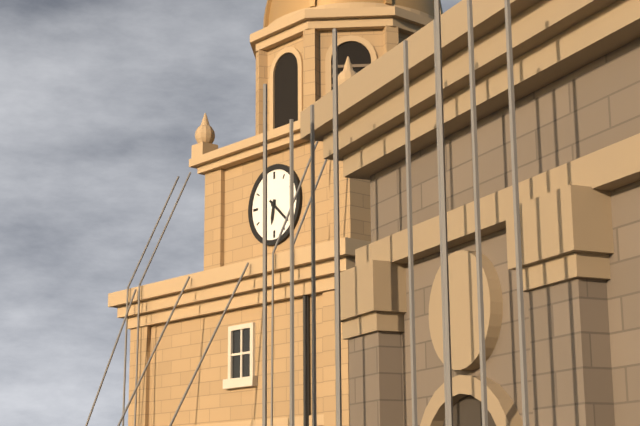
6:22
